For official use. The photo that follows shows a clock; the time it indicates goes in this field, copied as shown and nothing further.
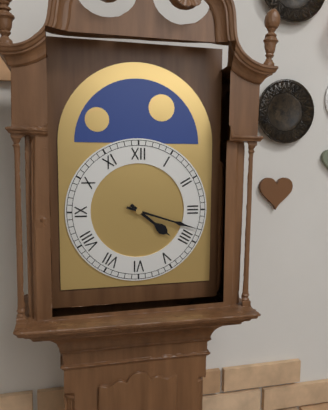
4:18
